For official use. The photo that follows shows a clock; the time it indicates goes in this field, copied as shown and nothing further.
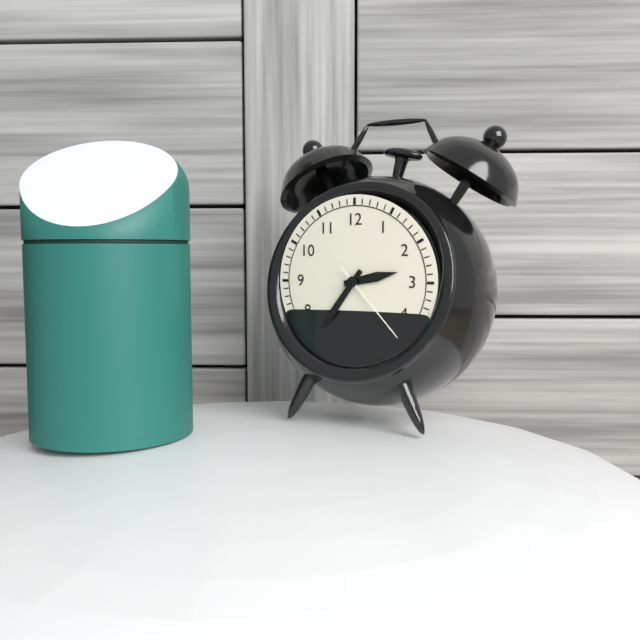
2:36:23
